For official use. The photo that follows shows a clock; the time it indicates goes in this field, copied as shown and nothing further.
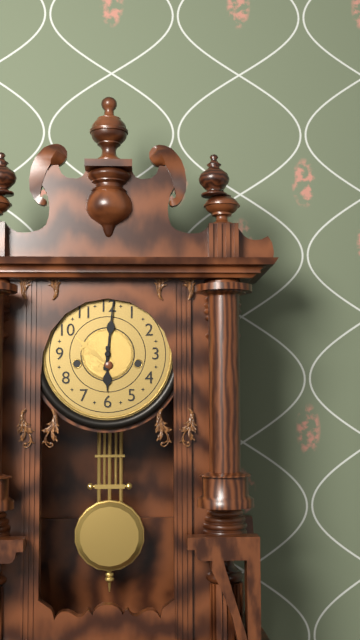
6:01
